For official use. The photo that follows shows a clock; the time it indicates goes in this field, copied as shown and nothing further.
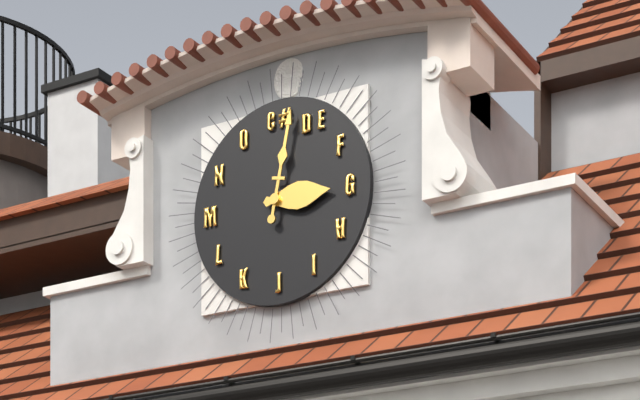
3:02
